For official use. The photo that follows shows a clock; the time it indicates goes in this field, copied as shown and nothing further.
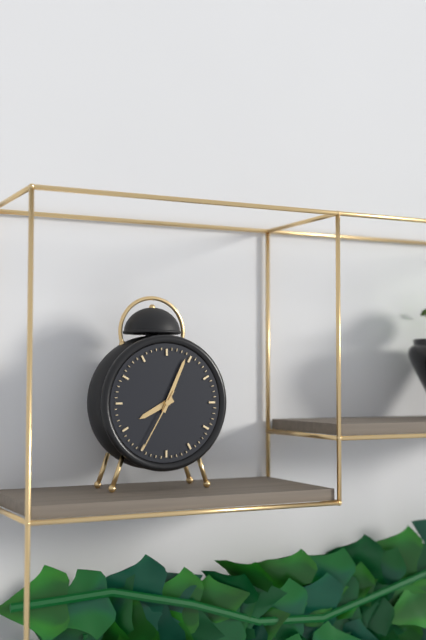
8:04:35
